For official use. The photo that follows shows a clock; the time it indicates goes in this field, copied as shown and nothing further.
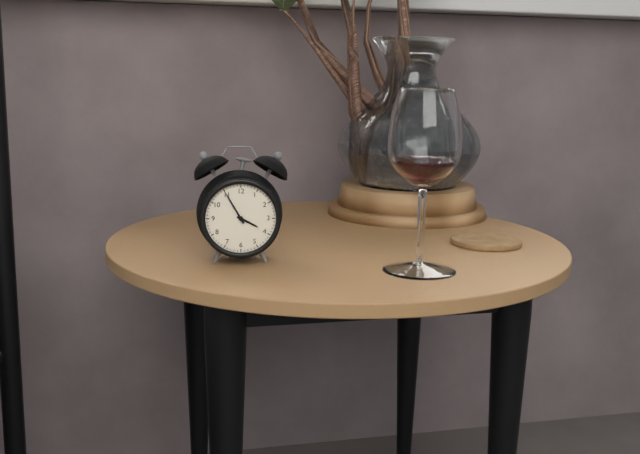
3:55
